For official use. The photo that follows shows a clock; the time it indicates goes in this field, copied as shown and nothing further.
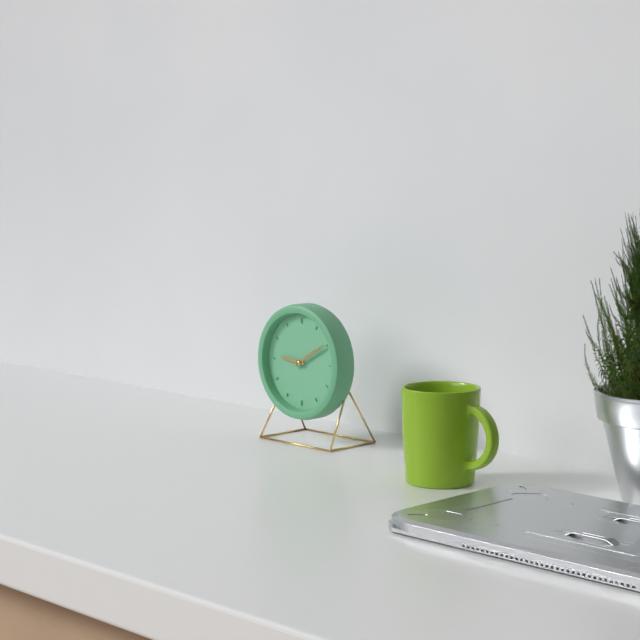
9:10
